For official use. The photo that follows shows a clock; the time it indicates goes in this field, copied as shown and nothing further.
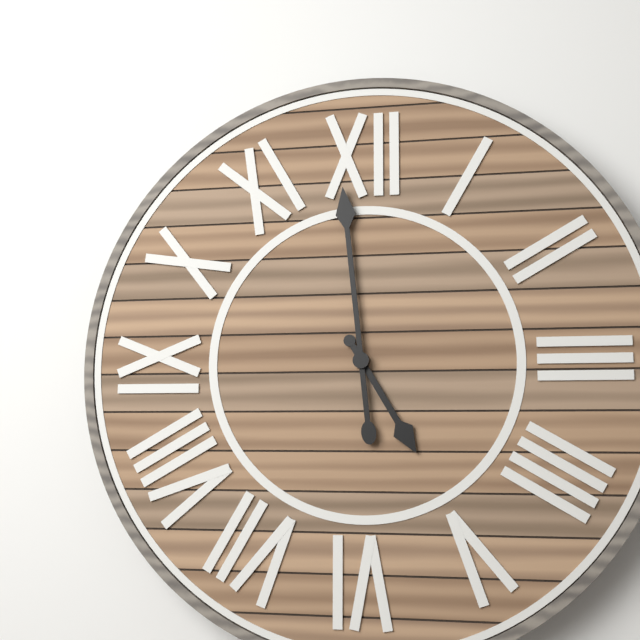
4:59
